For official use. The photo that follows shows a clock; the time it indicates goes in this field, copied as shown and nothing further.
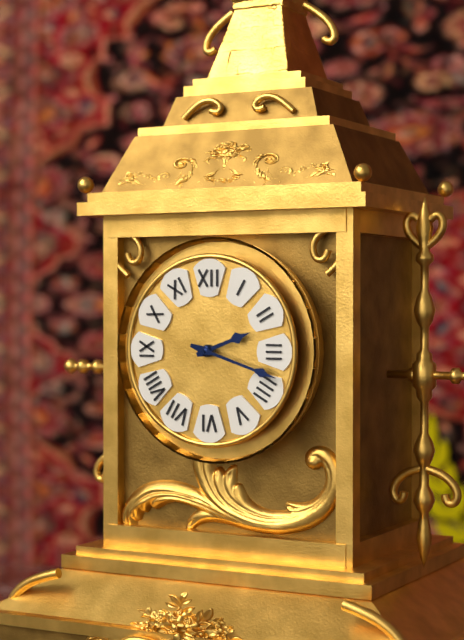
2:18
